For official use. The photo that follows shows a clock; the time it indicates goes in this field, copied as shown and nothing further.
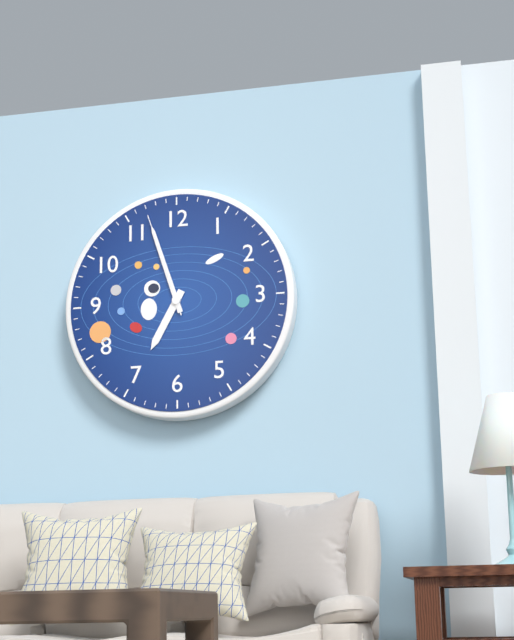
6:57:57
